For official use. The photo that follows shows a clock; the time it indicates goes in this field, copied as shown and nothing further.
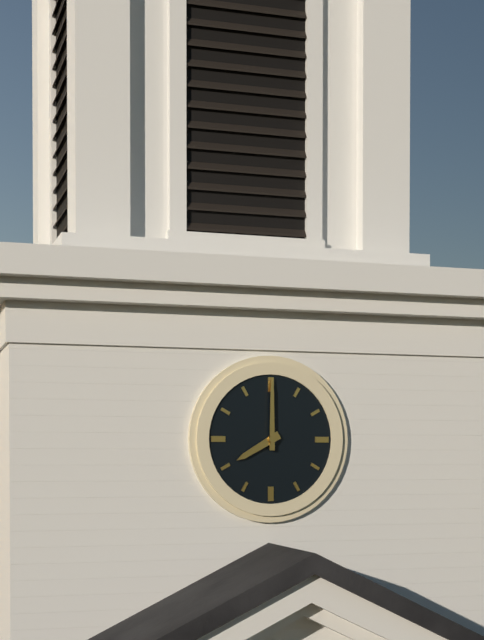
8:00
